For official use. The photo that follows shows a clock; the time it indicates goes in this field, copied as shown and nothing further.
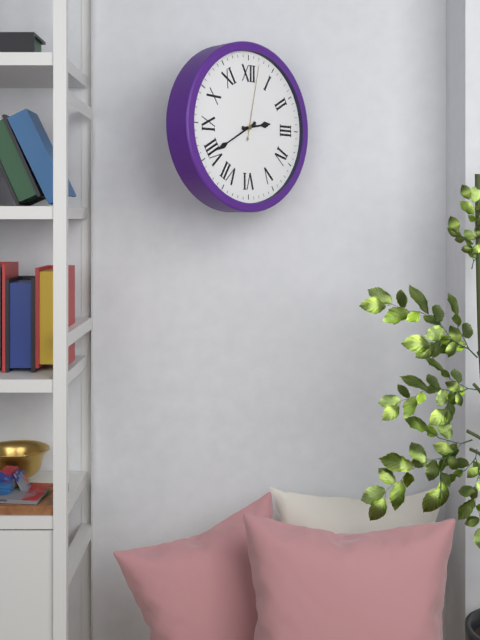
2:40:02
